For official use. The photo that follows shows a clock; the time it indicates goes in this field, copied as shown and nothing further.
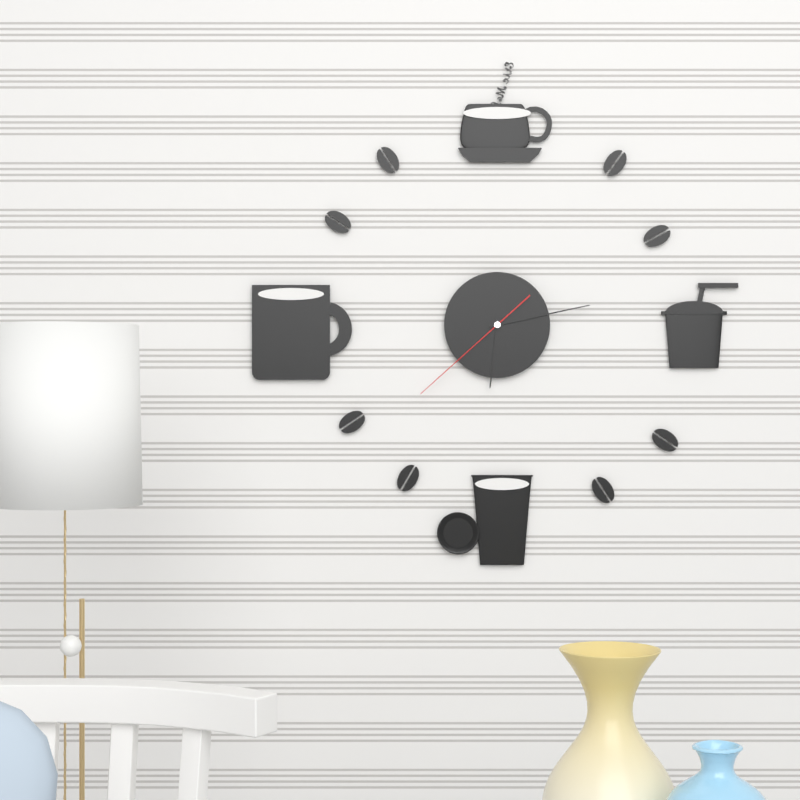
6:13:38
